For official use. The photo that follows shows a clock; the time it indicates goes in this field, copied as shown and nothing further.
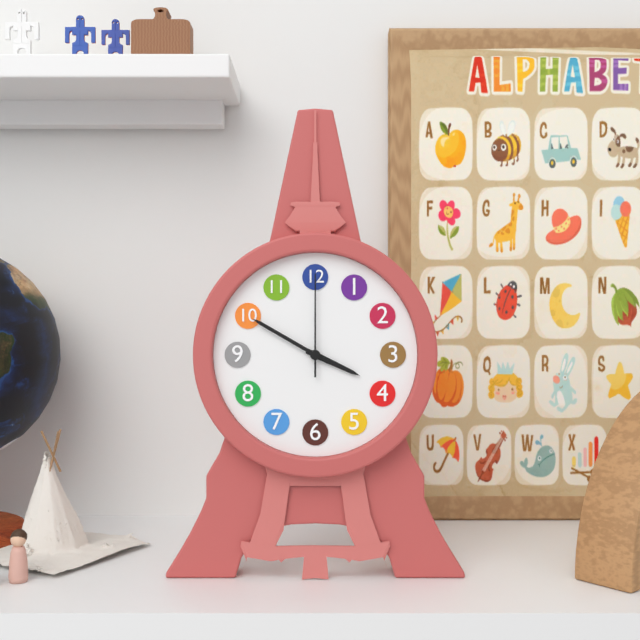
3:50:00
